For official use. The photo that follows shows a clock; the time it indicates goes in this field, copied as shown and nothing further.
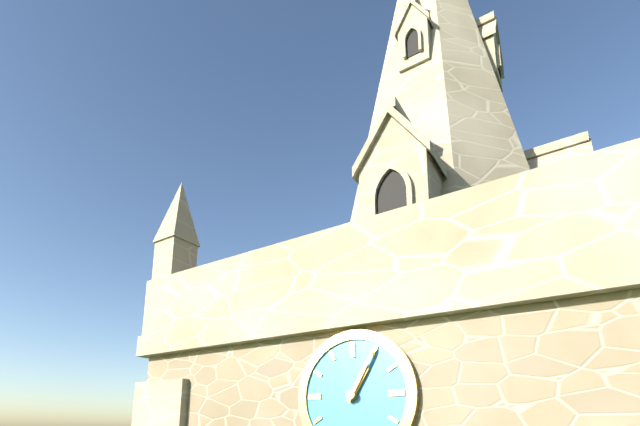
1:05
